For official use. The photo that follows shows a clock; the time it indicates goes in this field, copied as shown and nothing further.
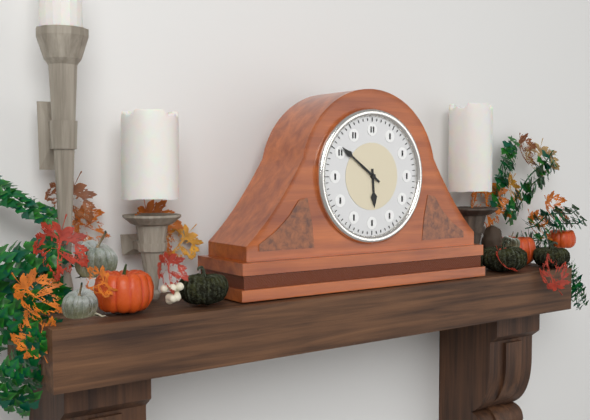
5:51
